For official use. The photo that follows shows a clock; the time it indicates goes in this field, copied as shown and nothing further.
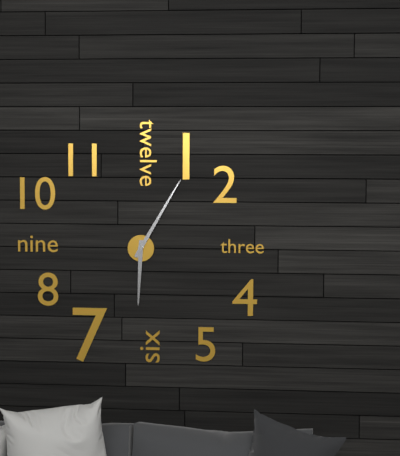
6:05
